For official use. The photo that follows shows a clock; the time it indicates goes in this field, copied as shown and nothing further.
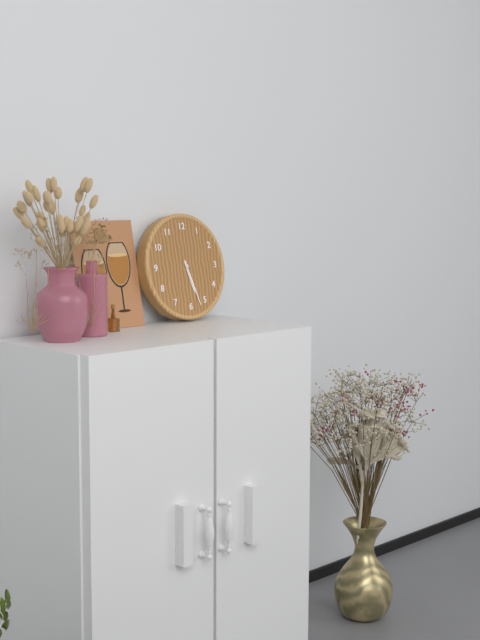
5:27
